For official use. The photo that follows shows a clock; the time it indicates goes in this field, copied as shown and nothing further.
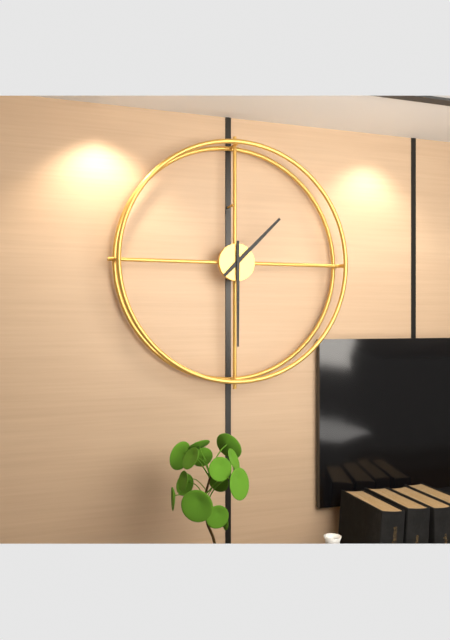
1:30
